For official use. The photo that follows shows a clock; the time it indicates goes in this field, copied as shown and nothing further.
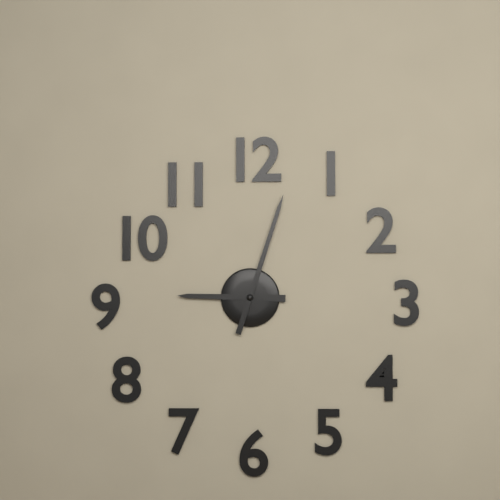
9:03
